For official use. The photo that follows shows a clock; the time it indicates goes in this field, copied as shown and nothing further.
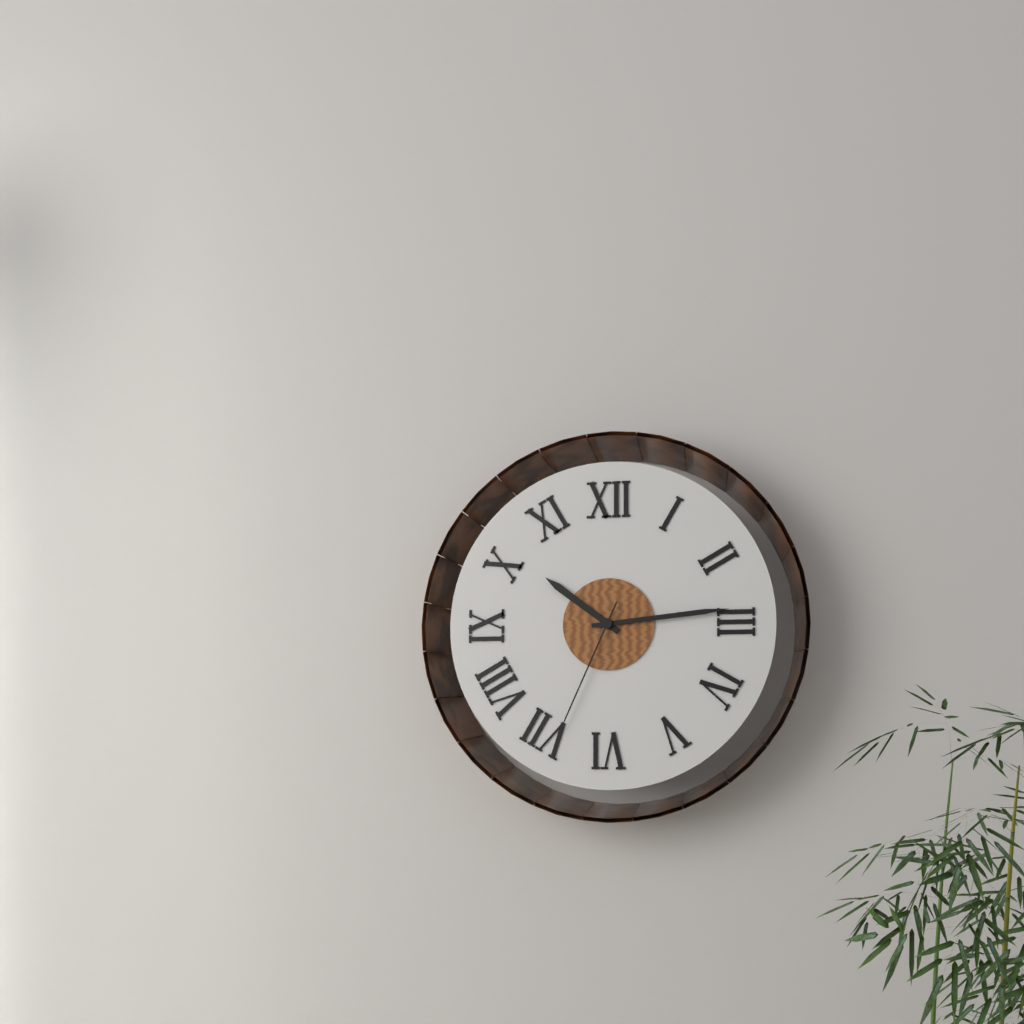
10:14:34
